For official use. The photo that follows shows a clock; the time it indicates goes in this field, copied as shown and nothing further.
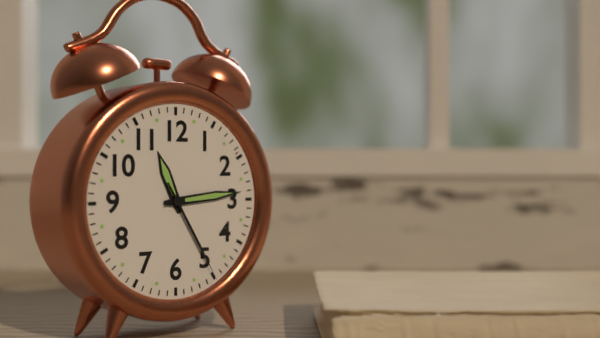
11:14:25
